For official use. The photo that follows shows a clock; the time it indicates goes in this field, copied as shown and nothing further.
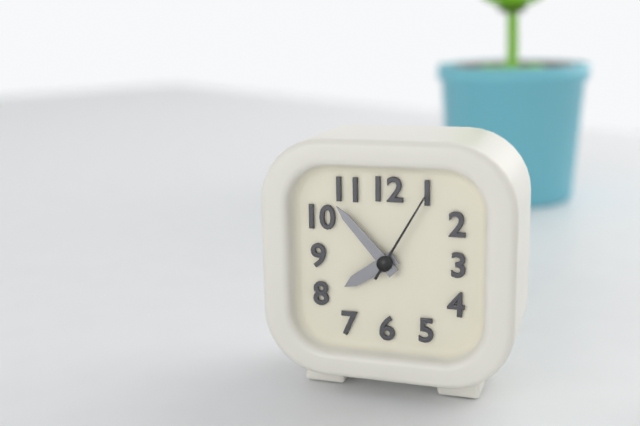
7:53:05
